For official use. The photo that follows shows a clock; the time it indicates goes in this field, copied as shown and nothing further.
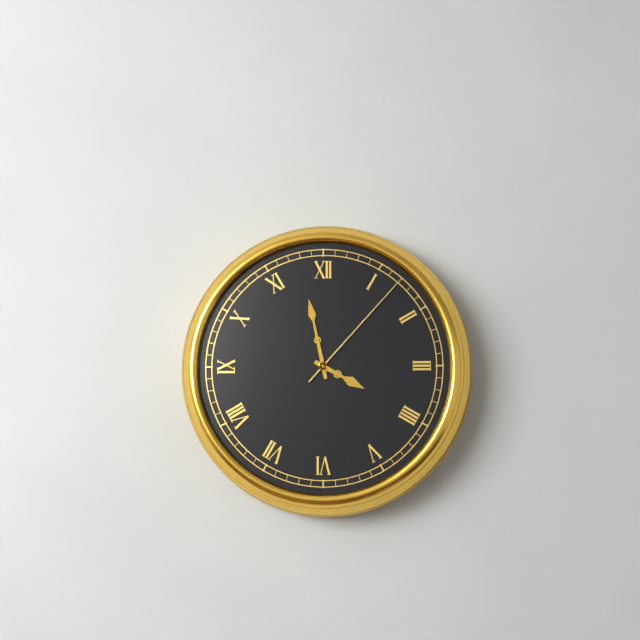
3:58:07
